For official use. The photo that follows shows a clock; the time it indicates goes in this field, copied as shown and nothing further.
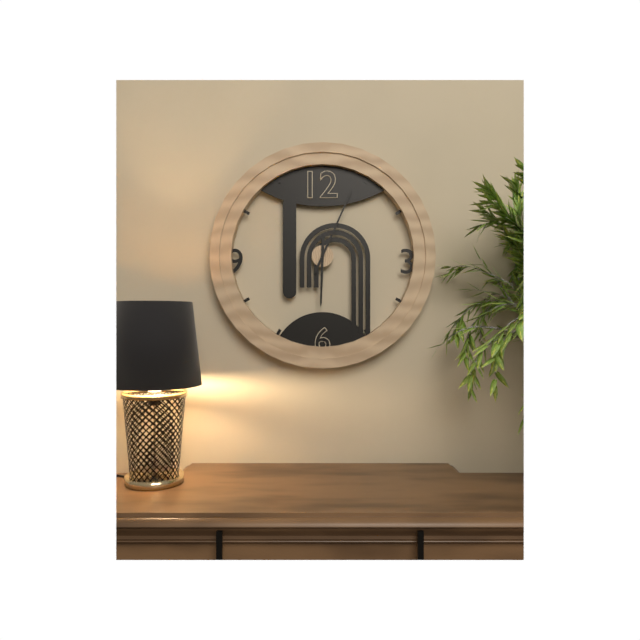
6:04
